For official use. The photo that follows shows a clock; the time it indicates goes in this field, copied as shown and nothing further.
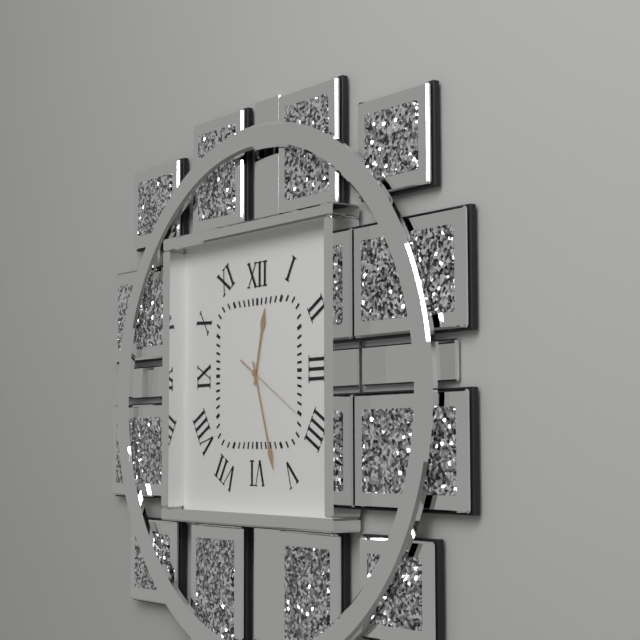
12:27:20
